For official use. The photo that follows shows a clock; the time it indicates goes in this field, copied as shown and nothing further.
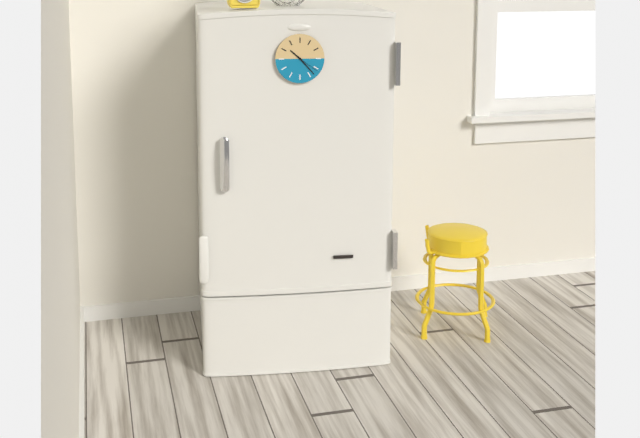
10:23
